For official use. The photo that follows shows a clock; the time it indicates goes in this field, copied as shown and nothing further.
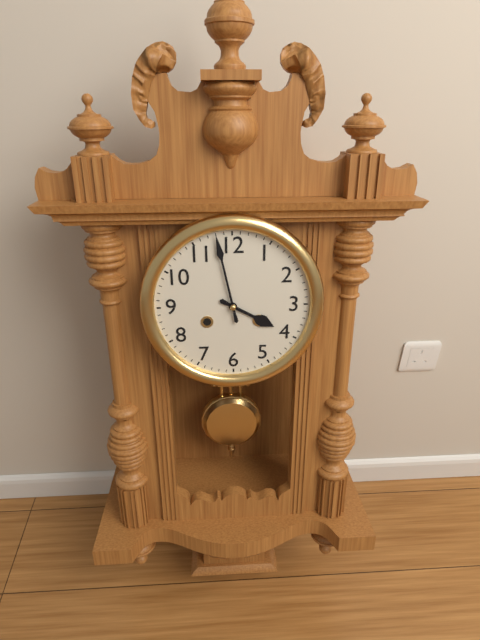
3:58
